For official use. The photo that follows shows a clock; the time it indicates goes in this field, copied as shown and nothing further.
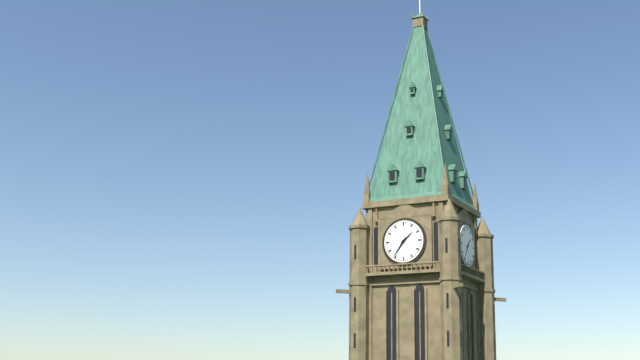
1:36
